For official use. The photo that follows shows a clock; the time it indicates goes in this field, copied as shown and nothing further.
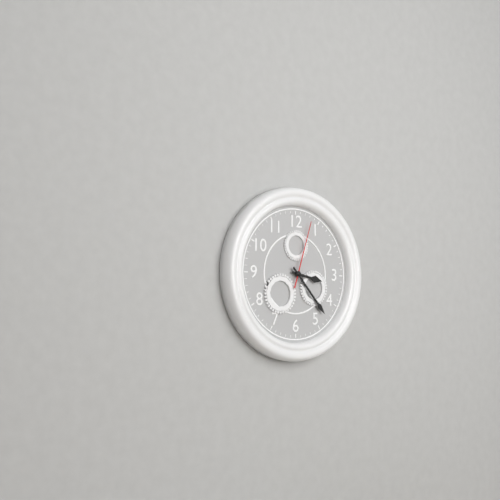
3:23:03
